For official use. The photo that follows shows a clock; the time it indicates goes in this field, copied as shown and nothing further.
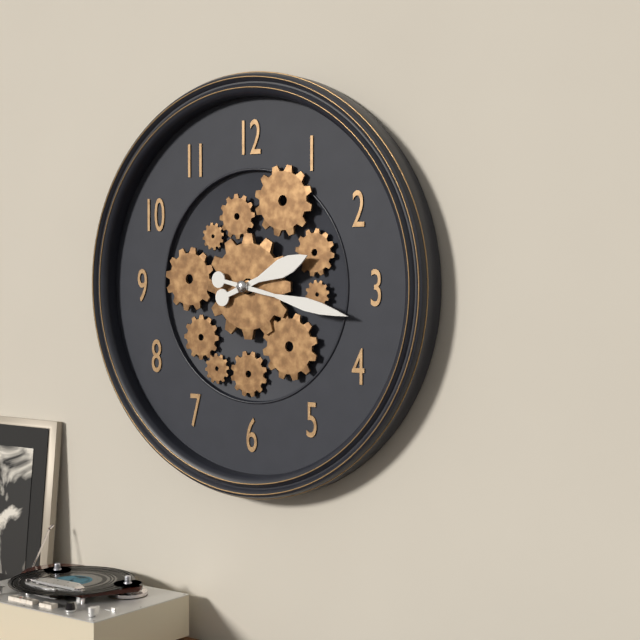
2:17
